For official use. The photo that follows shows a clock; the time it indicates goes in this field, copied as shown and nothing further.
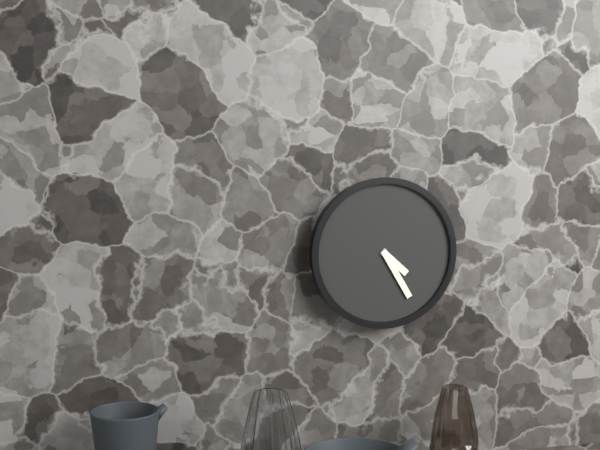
4:25
